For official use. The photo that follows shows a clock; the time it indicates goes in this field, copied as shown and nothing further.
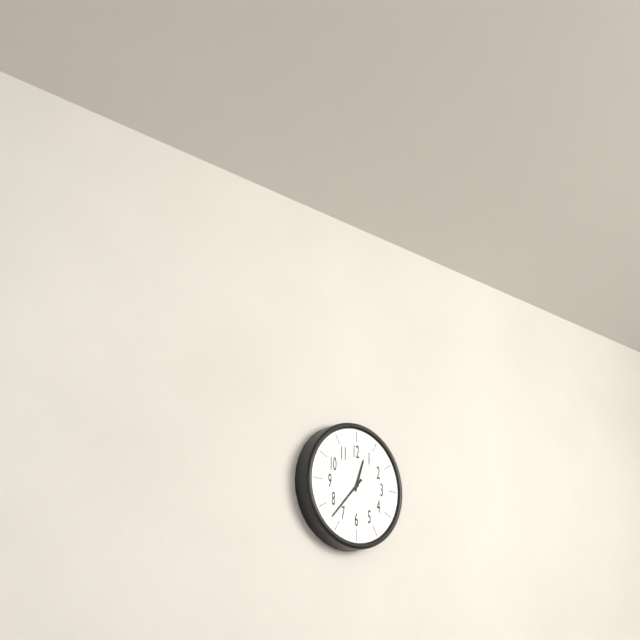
12:37
